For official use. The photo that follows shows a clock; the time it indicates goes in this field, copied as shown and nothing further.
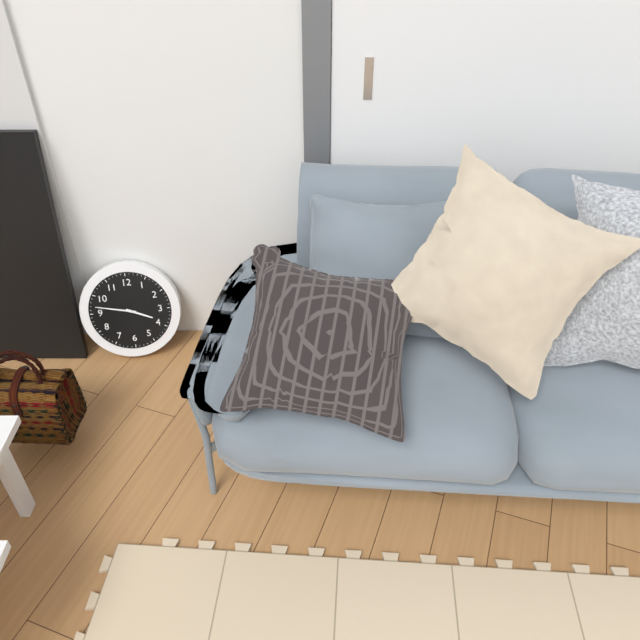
3:47
